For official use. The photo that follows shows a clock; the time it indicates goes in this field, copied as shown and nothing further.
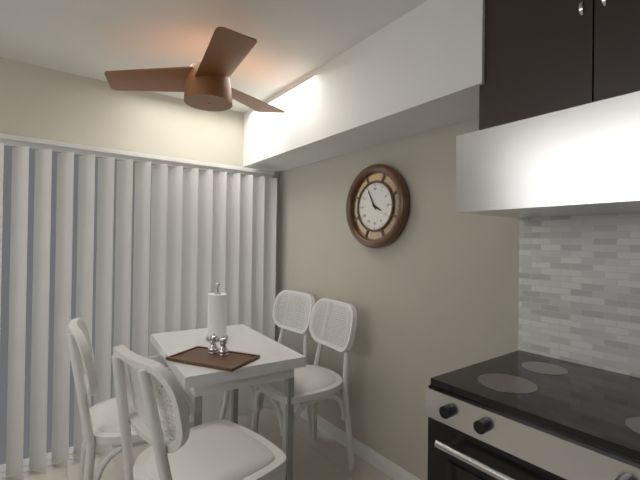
3:55
